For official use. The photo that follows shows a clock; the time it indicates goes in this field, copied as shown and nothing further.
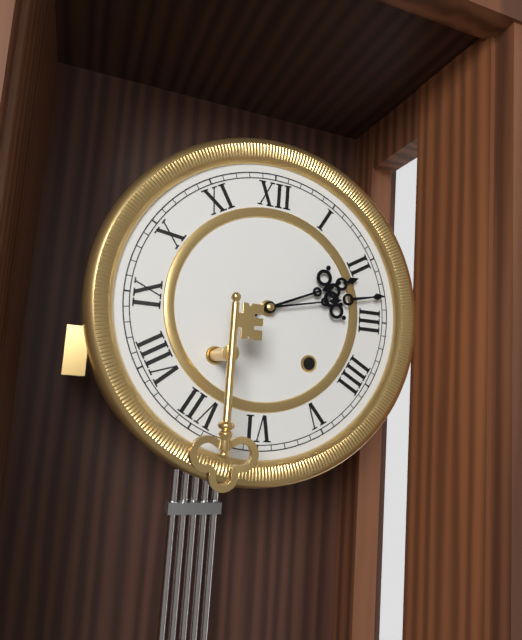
2:13
